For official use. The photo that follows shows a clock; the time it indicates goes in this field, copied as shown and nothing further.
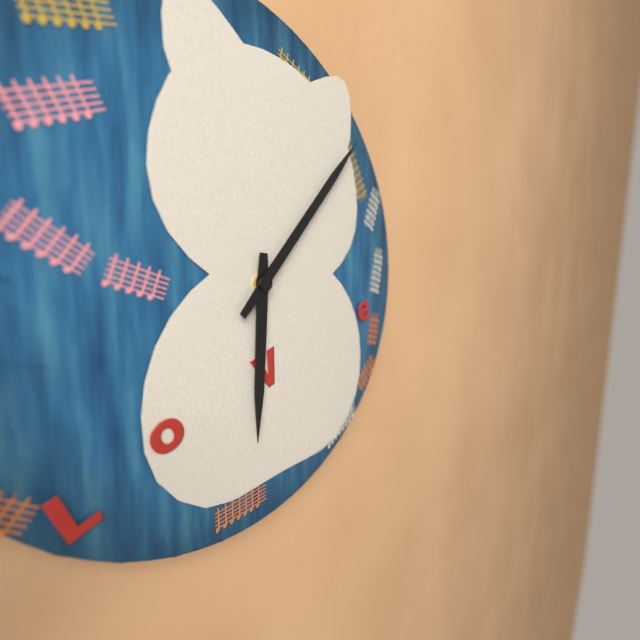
6:07
